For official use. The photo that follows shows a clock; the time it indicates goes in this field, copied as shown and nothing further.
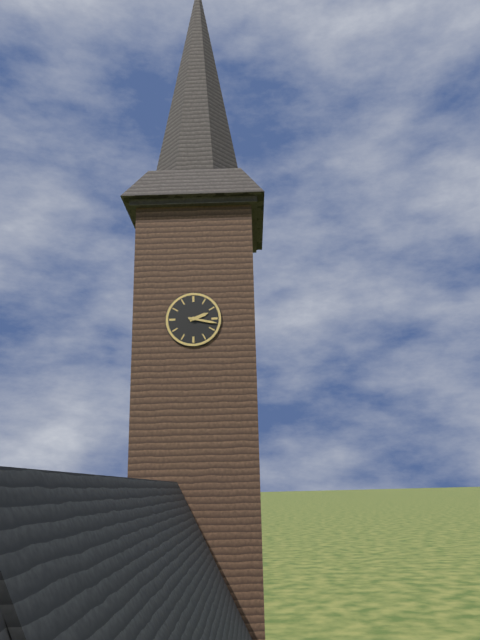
2:17
